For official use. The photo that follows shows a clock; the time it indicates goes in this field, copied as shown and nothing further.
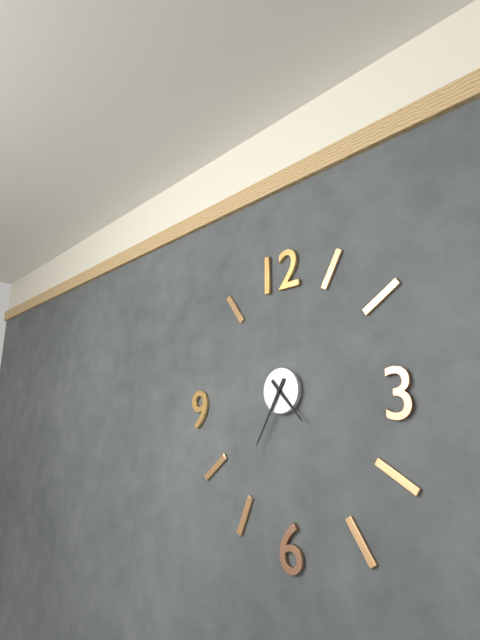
4:35
